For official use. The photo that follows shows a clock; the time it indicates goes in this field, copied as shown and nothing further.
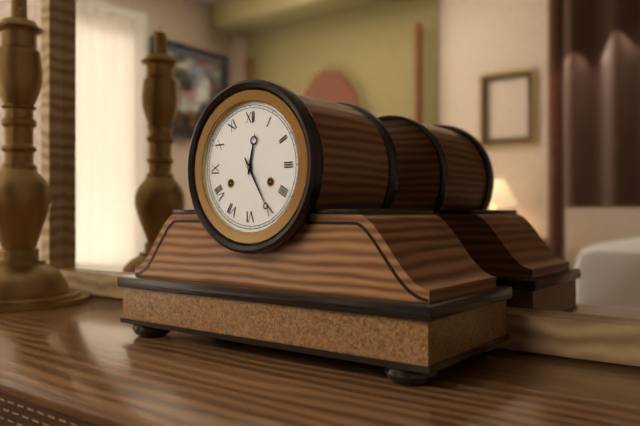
12:25
